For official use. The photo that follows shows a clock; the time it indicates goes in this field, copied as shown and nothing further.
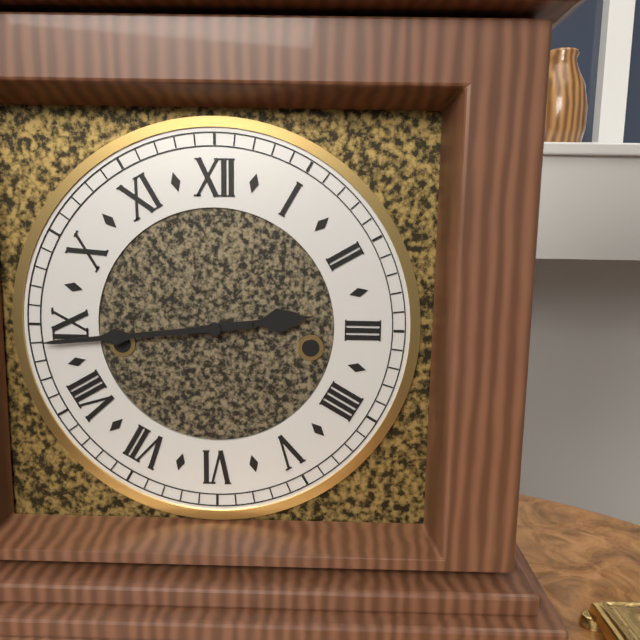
2:44
